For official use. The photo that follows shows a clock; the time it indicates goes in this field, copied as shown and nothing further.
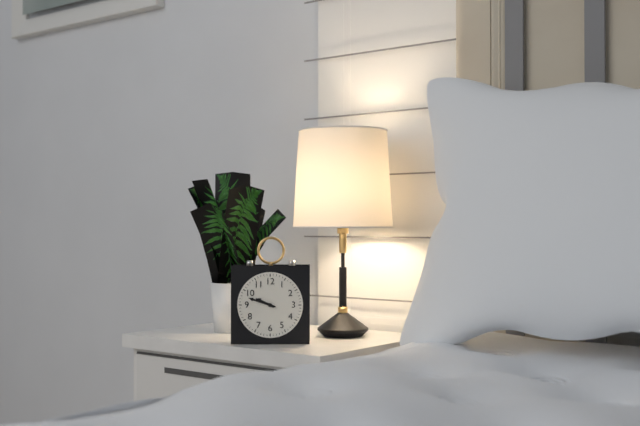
9:48
